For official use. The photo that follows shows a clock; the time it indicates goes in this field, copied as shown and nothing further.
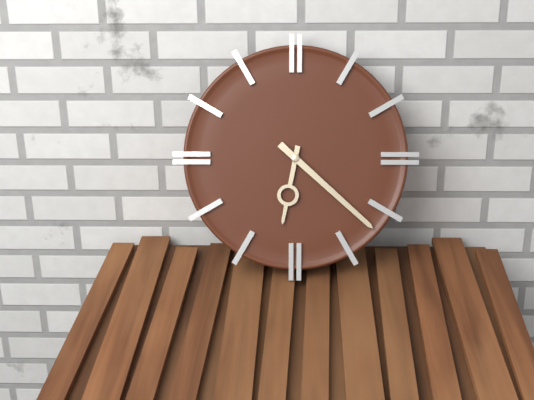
6:22
